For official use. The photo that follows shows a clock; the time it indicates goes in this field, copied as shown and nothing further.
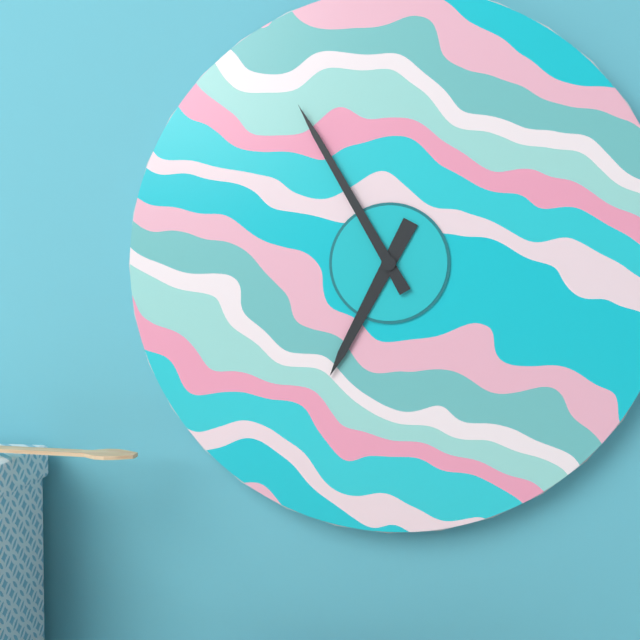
6:55
